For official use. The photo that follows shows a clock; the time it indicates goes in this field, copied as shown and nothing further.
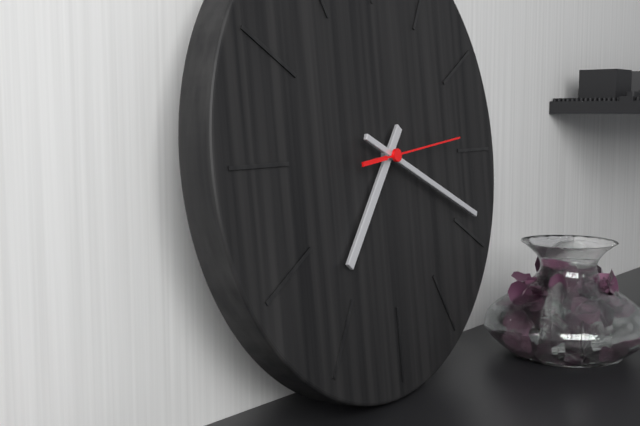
7:19:14
